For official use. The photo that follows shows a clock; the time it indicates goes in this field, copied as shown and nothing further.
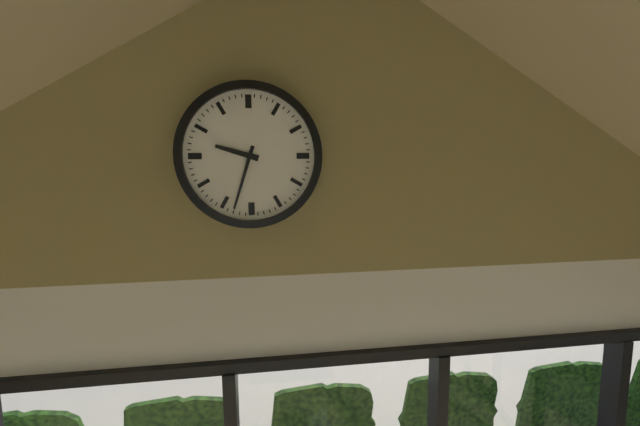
9:33
